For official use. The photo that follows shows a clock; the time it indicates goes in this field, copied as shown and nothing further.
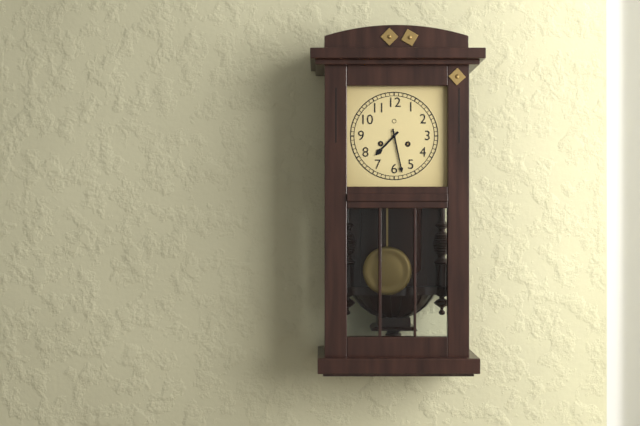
7:28
